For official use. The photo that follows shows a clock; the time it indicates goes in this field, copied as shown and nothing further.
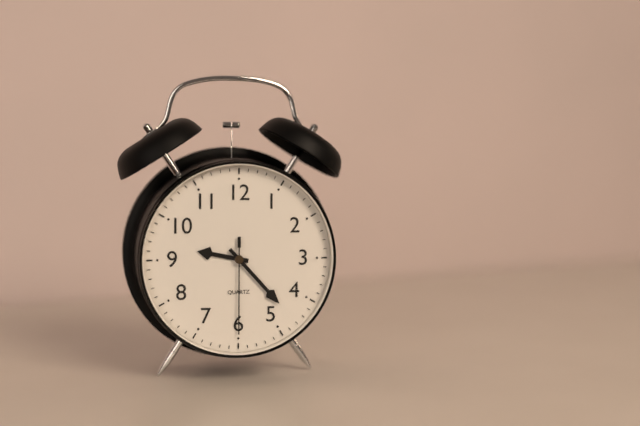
9:23:30
